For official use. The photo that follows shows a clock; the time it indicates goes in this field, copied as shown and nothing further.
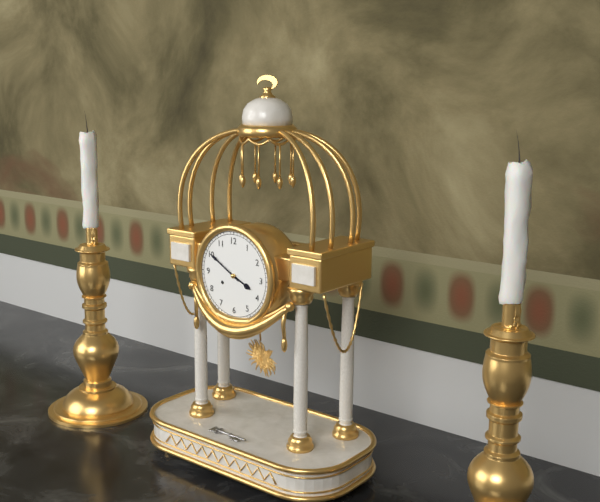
3:50
